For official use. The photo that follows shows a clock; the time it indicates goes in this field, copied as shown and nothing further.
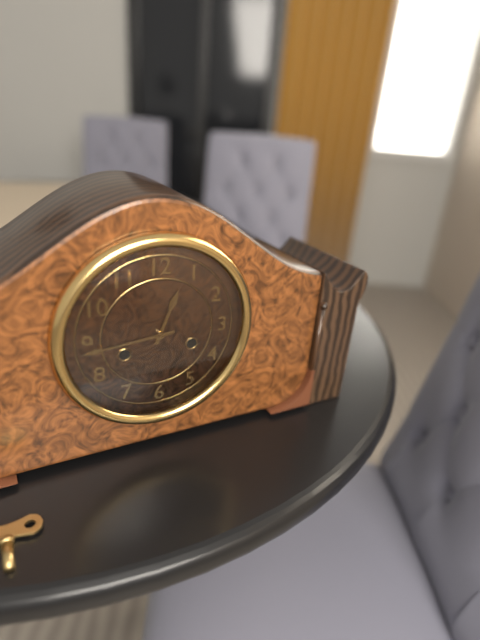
12:44
